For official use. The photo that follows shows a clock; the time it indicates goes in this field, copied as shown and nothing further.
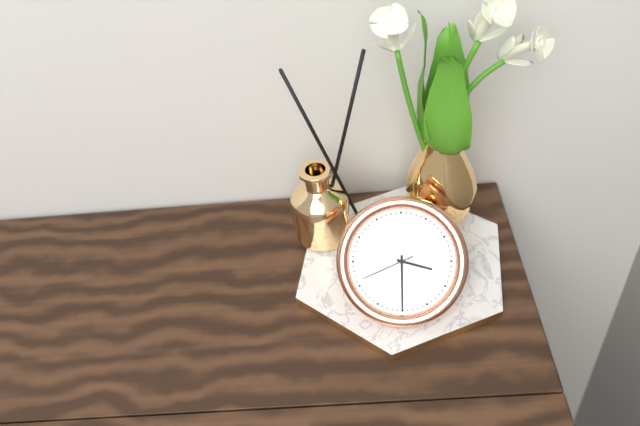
3:30:41
